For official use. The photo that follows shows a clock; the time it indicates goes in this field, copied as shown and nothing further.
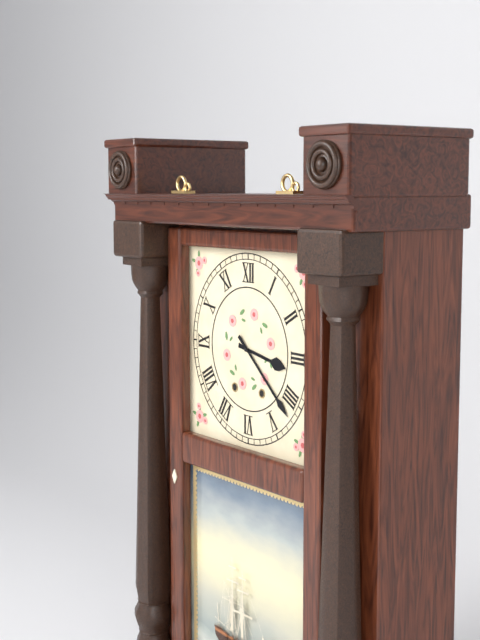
3:22
